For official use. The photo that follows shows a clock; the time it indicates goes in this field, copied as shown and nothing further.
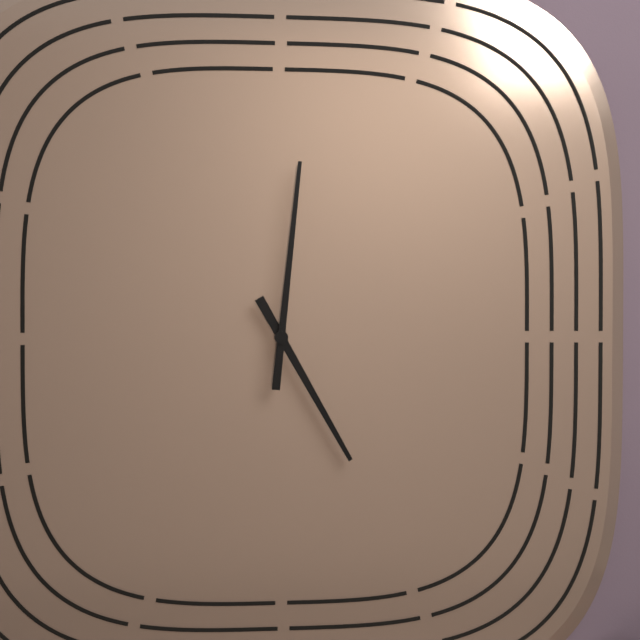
5:01
